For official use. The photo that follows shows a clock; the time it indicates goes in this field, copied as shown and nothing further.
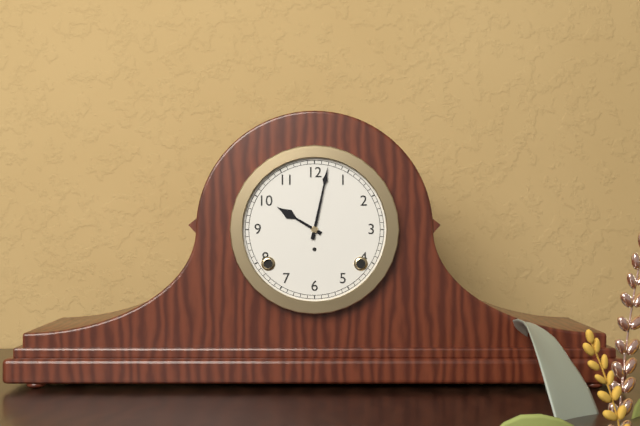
10:02
